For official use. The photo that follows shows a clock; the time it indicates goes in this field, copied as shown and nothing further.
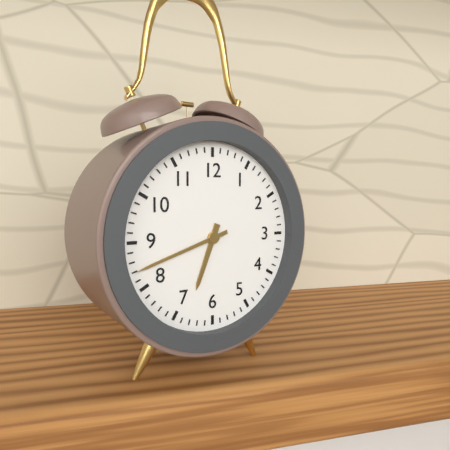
6:42
